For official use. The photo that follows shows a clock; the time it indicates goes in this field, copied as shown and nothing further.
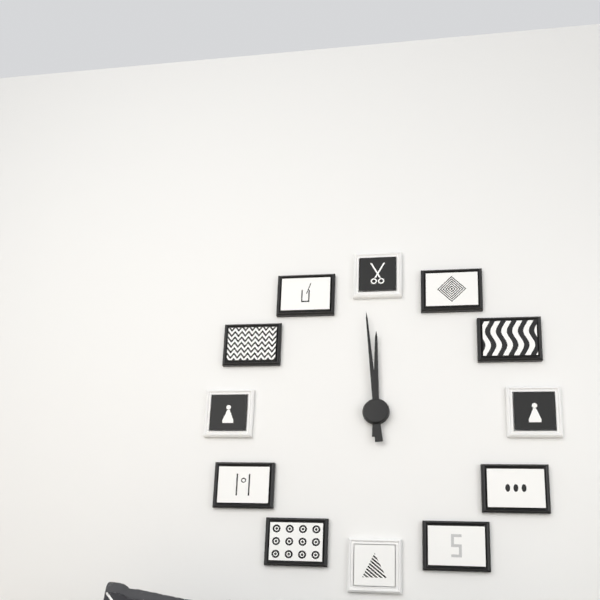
11:59
